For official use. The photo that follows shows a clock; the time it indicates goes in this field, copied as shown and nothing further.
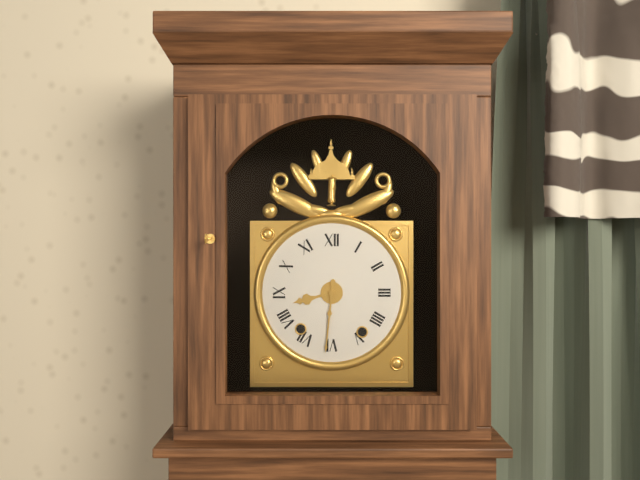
8:31
